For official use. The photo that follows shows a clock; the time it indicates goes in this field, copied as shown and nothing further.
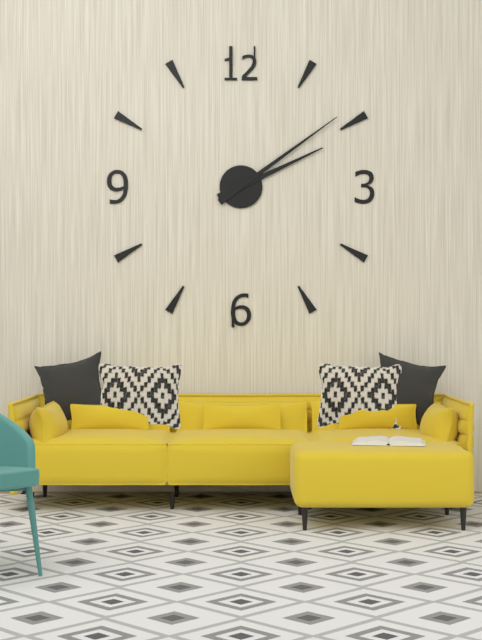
2:09
